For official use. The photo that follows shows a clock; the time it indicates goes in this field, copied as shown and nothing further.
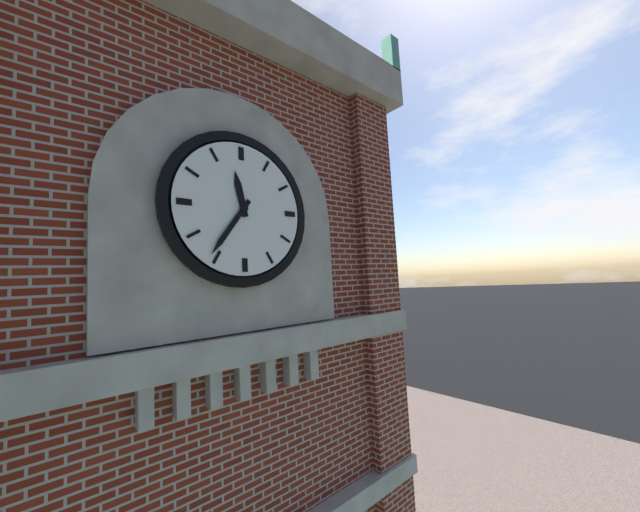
11:36
